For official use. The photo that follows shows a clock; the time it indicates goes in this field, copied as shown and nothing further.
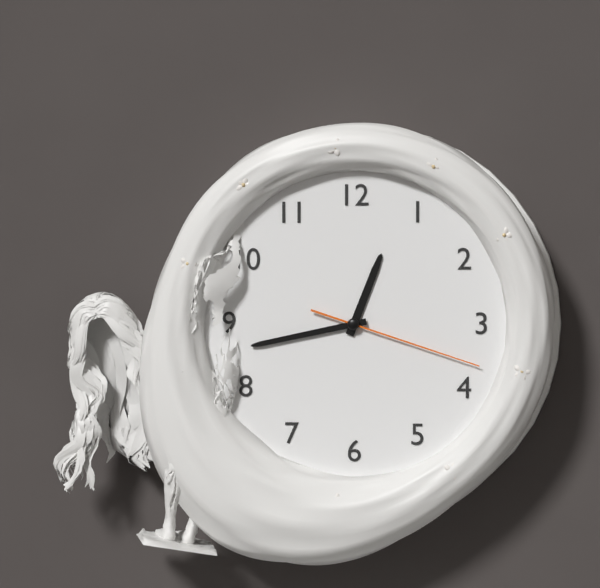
12:43:18
